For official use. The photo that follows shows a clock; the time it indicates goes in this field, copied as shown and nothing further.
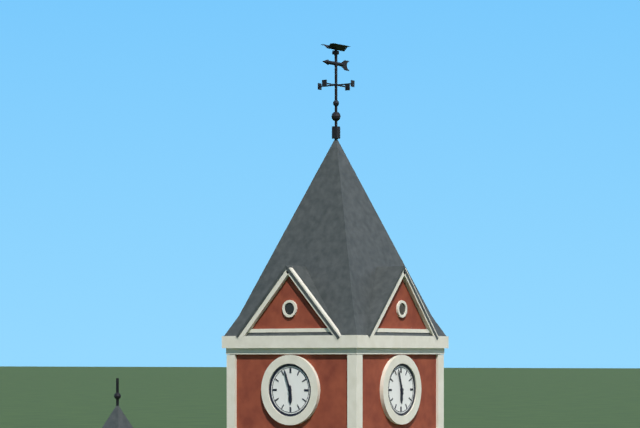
5:57
